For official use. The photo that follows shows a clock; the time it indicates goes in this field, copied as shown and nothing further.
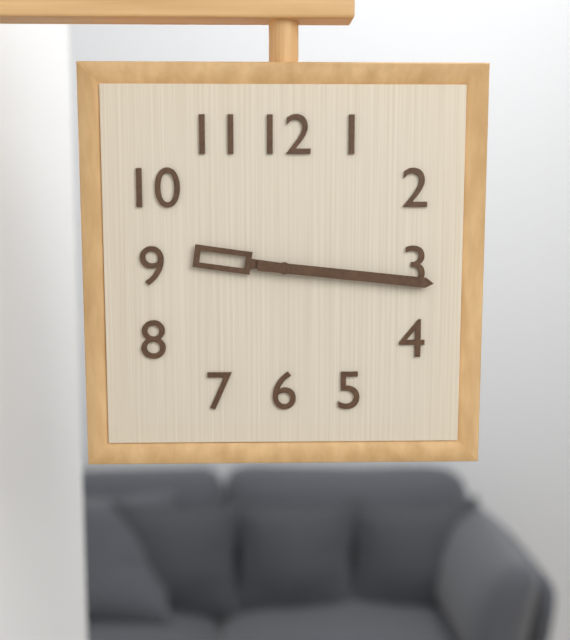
9:16
